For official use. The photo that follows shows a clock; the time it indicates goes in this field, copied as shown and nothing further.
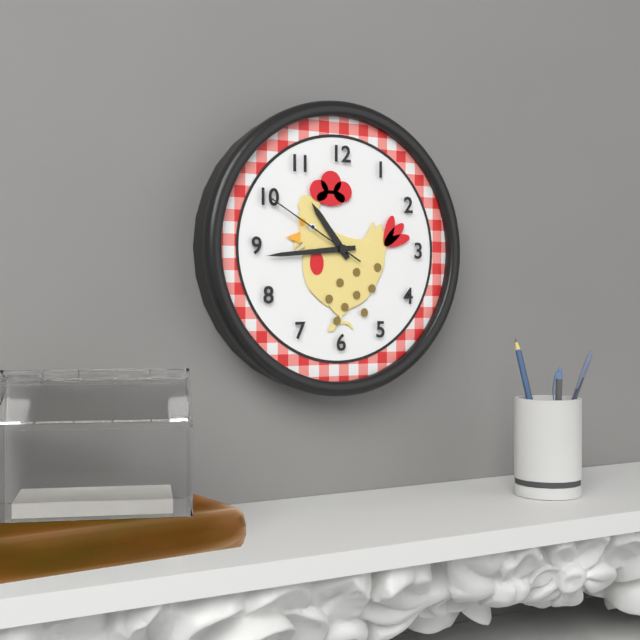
10:44:50
